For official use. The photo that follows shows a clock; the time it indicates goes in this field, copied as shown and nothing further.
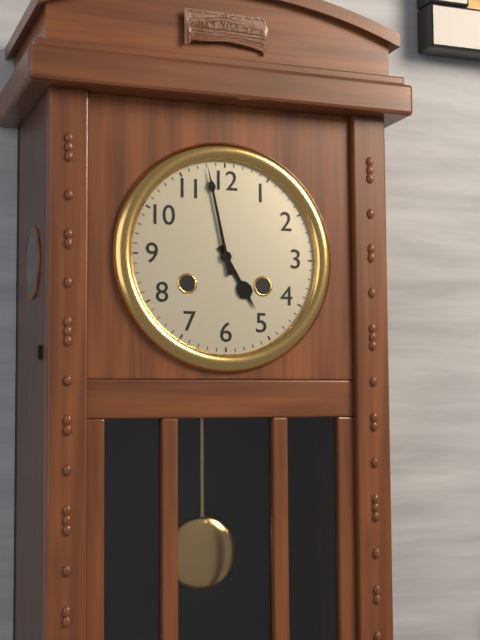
4:58
